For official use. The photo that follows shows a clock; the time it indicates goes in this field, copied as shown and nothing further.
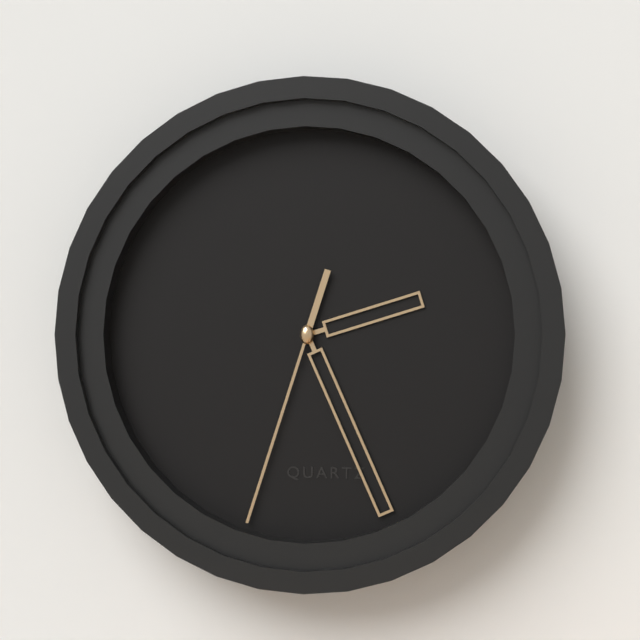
2:26:33
